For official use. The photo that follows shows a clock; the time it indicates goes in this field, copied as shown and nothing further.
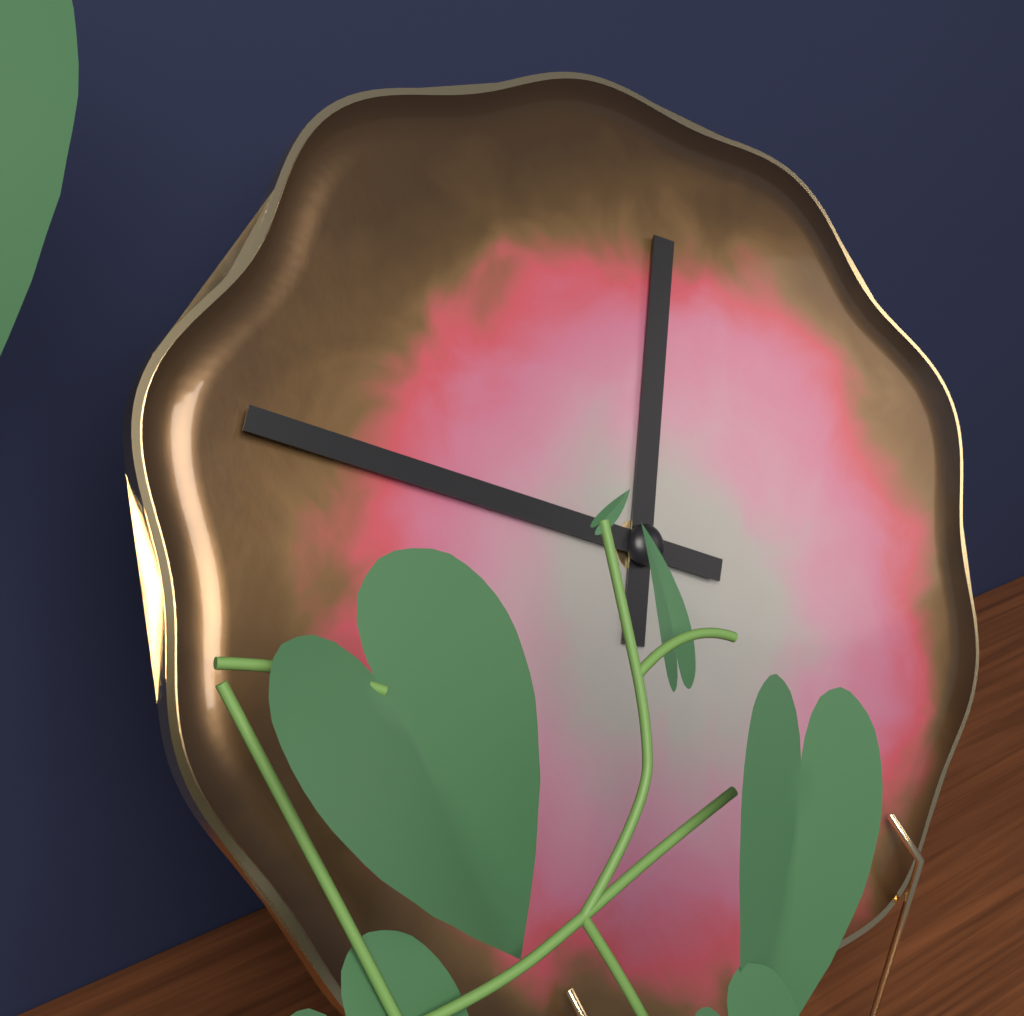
12:50
